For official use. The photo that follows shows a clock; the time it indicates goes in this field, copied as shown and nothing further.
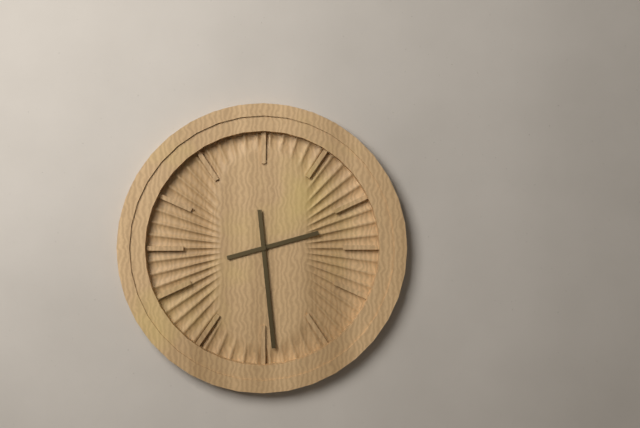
2:29
